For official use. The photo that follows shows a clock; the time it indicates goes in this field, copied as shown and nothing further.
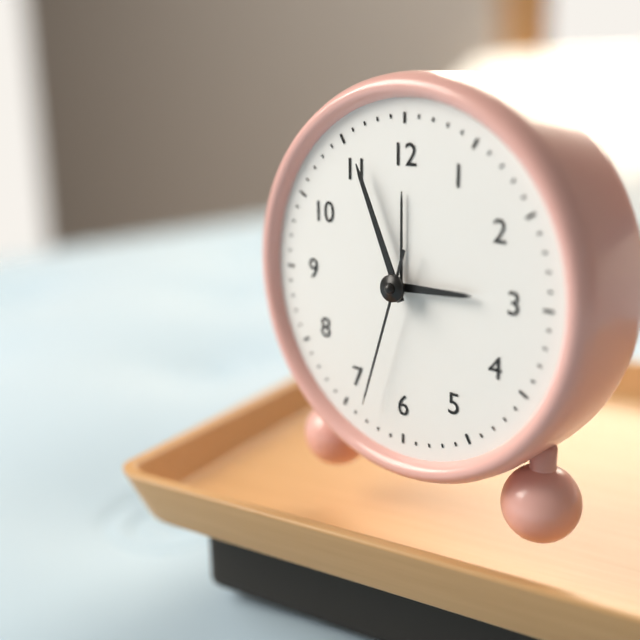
2:56:33
